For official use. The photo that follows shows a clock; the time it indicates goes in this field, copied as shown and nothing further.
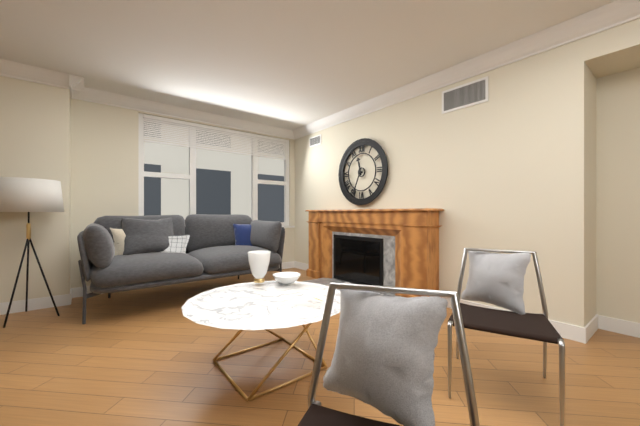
11:34
